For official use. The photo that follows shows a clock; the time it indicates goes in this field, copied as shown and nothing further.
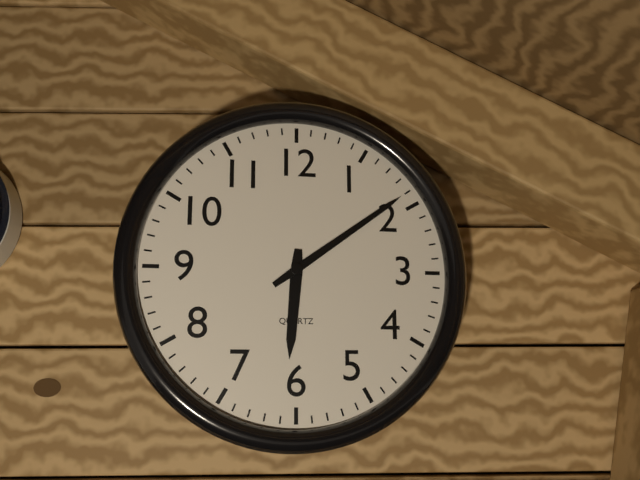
6:09
